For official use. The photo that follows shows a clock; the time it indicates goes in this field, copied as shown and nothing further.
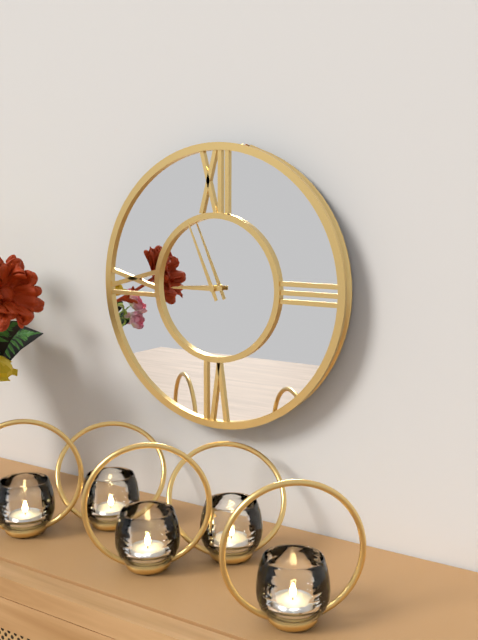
8:56
